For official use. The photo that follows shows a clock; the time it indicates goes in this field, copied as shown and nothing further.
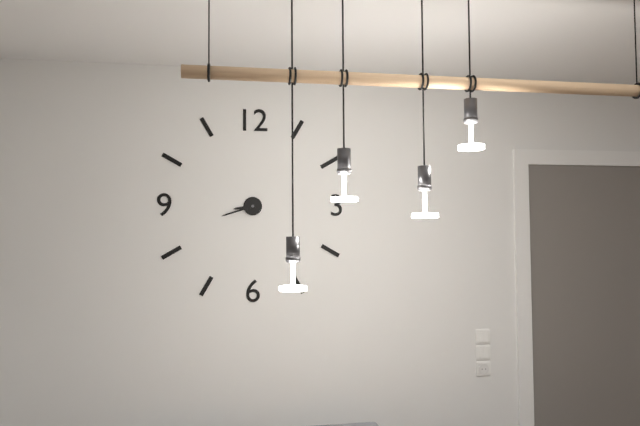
8:42
